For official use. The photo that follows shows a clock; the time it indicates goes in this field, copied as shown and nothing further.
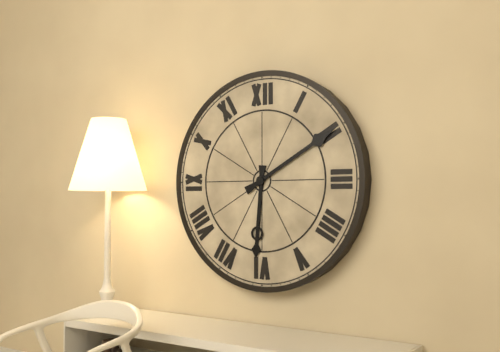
6:10
